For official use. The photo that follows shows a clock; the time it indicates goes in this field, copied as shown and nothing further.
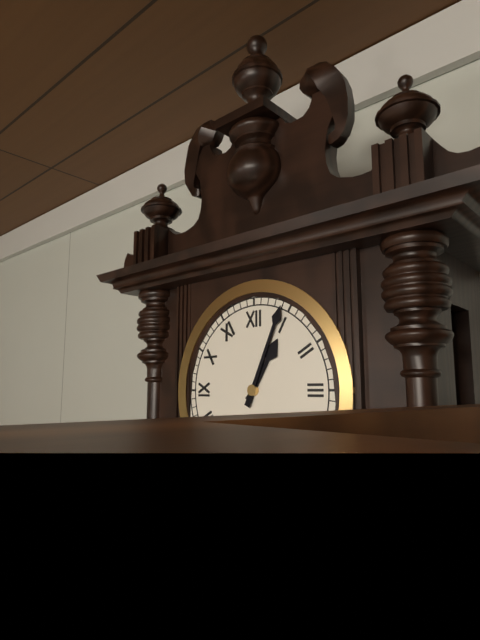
1:04
